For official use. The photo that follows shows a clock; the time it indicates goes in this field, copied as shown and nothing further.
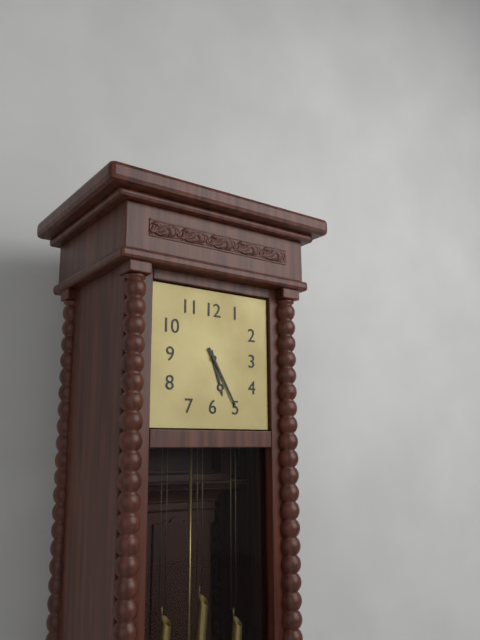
5:25
